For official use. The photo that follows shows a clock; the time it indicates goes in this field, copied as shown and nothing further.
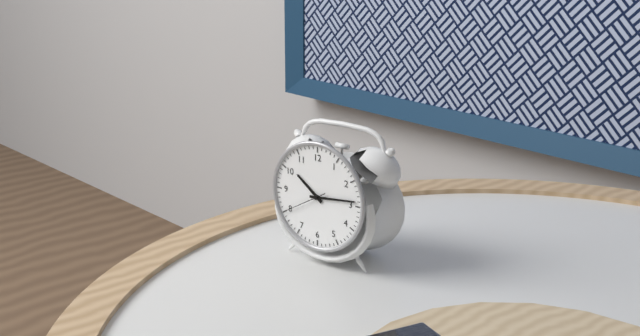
10:14
